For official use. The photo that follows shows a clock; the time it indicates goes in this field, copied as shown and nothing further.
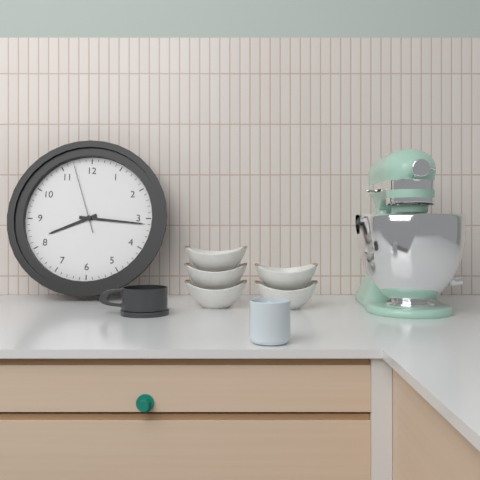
8:16:57
